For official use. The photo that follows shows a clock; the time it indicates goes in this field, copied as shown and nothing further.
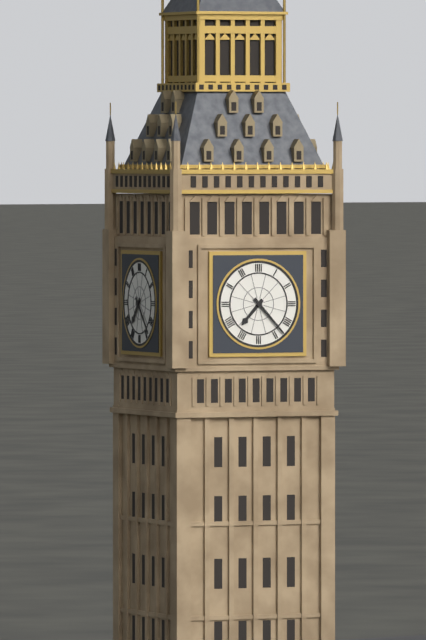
7:23
